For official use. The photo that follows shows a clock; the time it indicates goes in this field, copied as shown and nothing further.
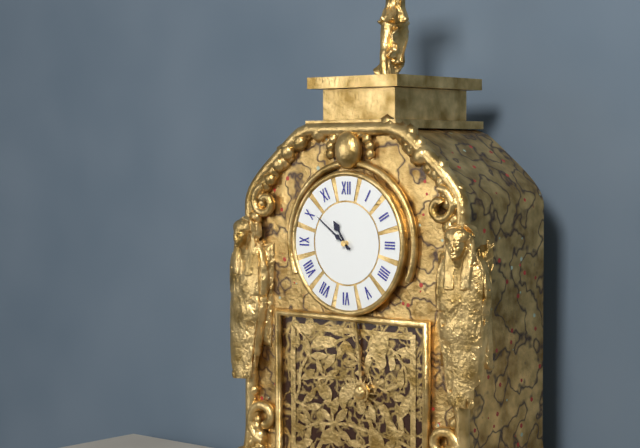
10:51
